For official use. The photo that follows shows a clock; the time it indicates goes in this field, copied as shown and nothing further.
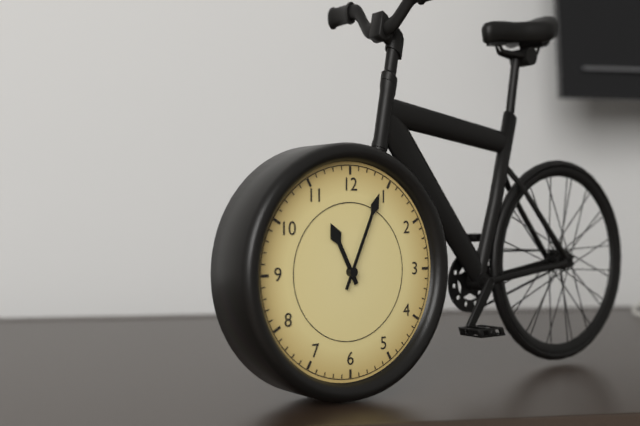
11:04
